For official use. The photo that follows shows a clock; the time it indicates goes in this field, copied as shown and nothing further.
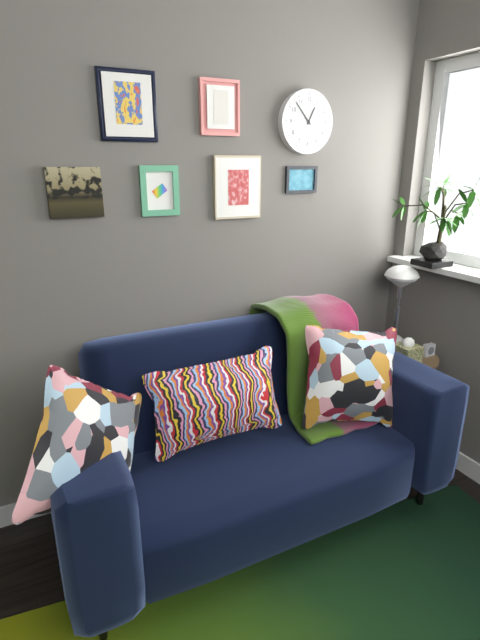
12:53
